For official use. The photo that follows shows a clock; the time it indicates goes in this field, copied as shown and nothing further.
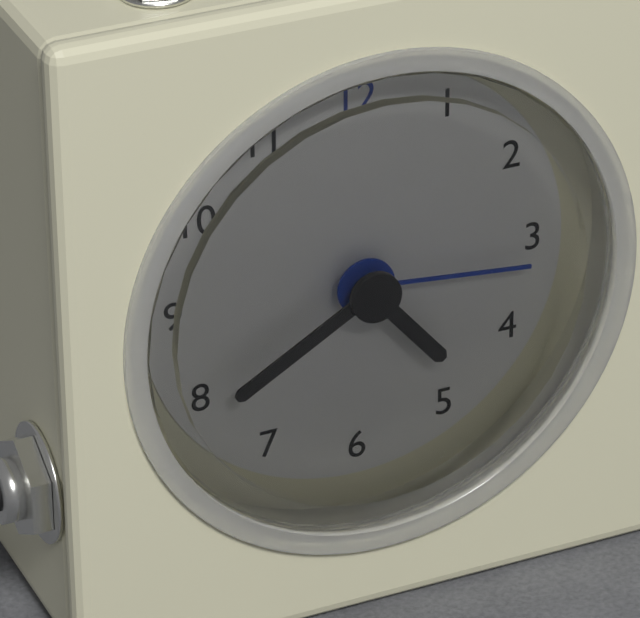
4:40:16
